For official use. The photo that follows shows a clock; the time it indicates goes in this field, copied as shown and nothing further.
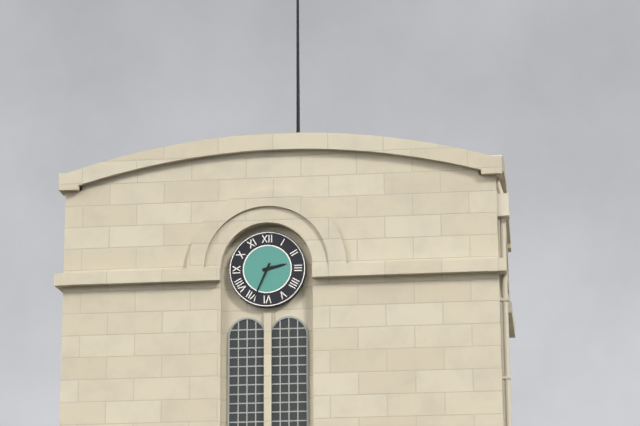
2:34
